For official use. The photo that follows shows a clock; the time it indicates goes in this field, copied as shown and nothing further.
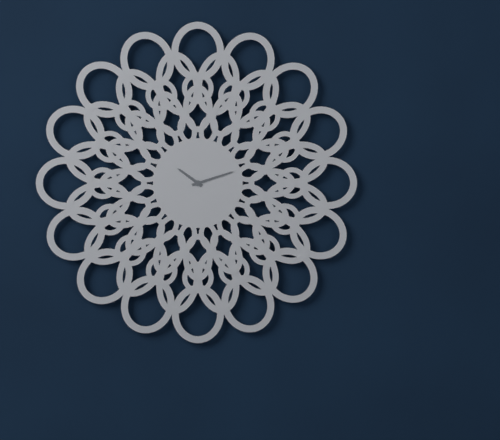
10:12
